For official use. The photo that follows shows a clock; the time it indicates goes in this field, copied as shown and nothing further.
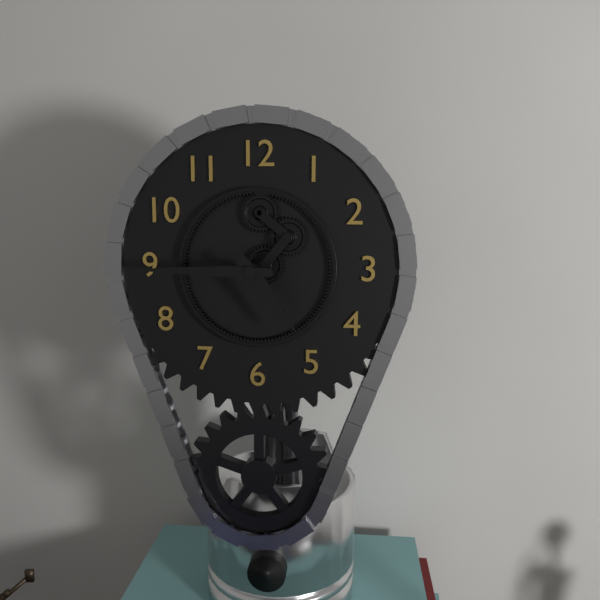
4:45
